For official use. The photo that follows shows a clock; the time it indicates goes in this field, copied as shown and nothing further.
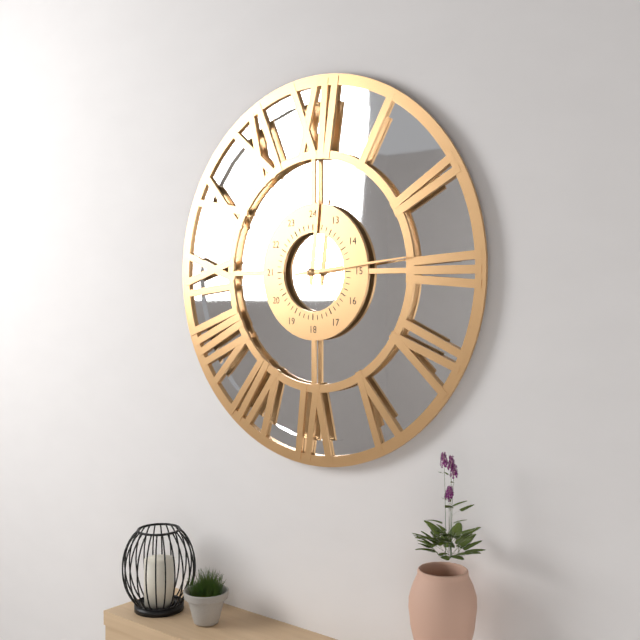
12:14
